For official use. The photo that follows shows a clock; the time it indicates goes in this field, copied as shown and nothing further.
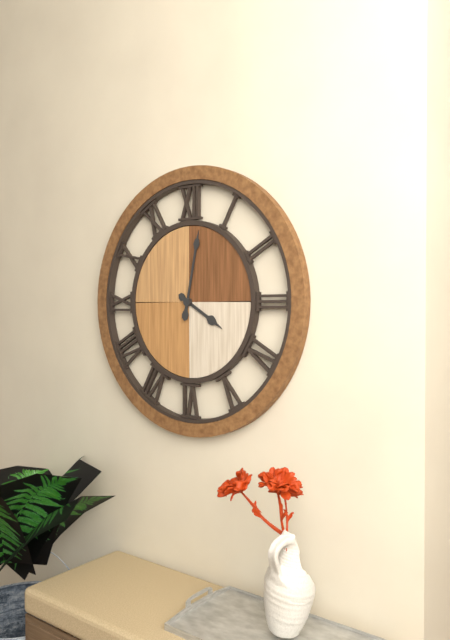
4:02
